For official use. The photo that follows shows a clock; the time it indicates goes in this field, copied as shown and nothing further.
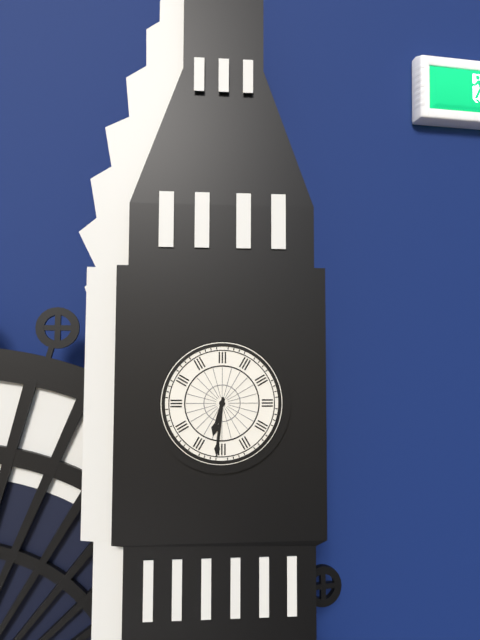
6:31
